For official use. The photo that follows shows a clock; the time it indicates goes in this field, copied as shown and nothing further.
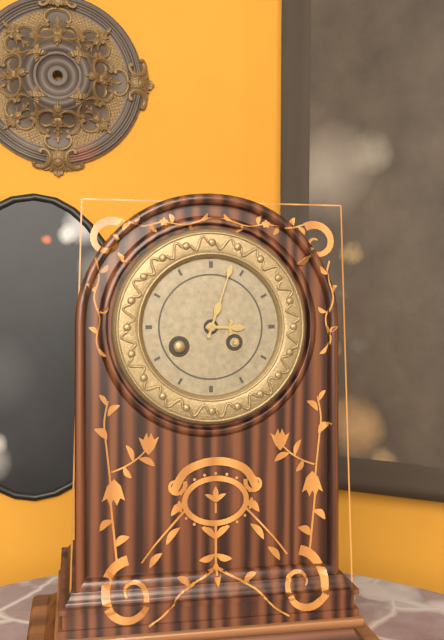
3:03
